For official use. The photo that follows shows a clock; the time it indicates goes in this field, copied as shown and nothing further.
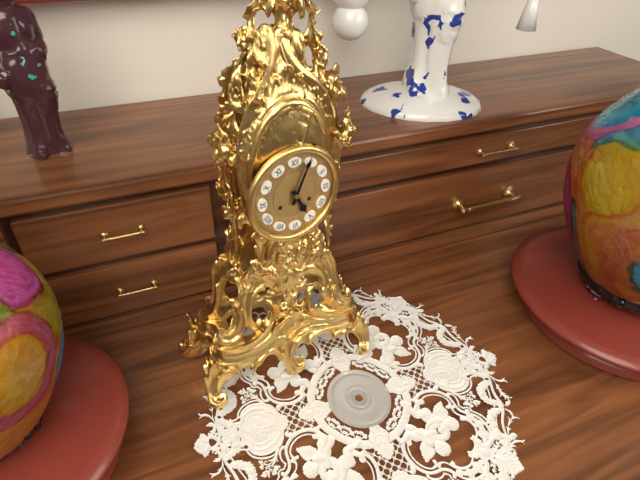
5:04
